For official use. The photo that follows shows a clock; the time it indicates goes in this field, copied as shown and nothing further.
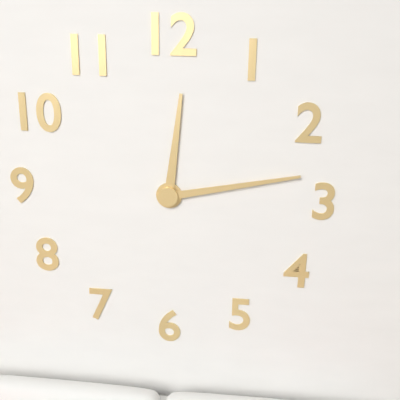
12:13
